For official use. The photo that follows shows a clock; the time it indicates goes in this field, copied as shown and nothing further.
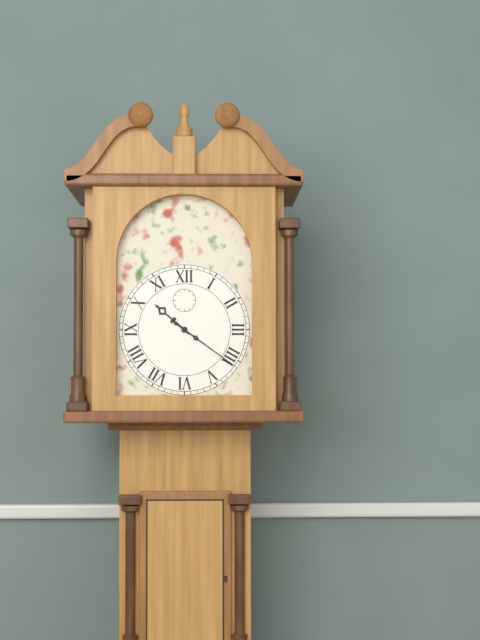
10:21
